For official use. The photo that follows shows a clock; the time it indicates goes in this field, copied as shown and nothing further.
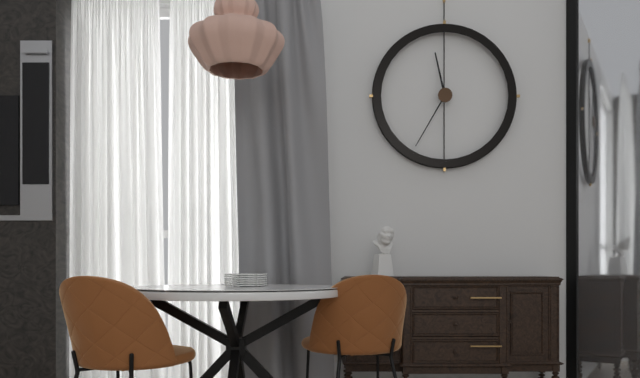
11:35
